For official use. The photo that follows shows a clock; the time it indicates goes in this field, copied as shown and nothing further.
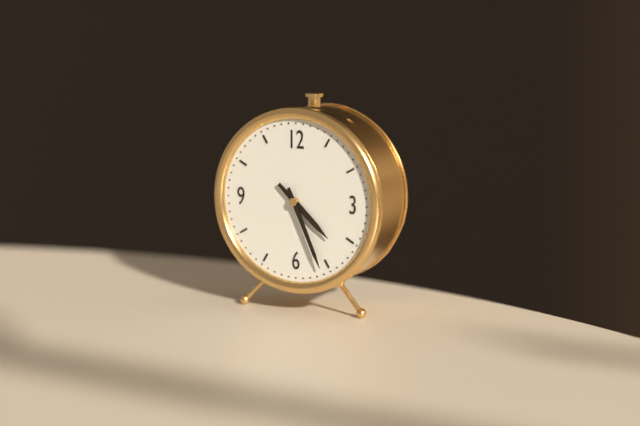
4:26
